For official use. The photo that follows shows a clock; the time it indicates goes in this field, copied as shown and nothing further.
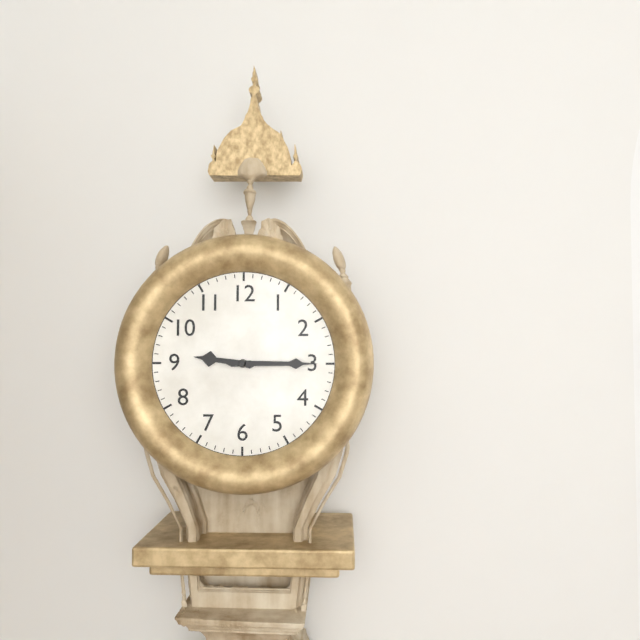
9:15
